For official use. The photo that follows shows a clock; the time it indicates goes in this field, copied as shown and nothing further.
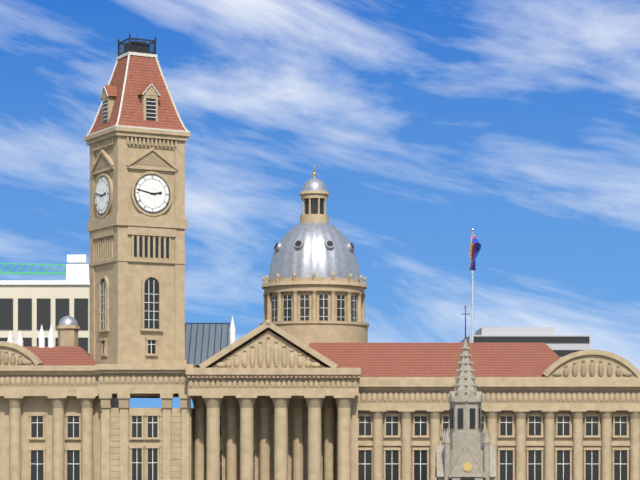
2:47
